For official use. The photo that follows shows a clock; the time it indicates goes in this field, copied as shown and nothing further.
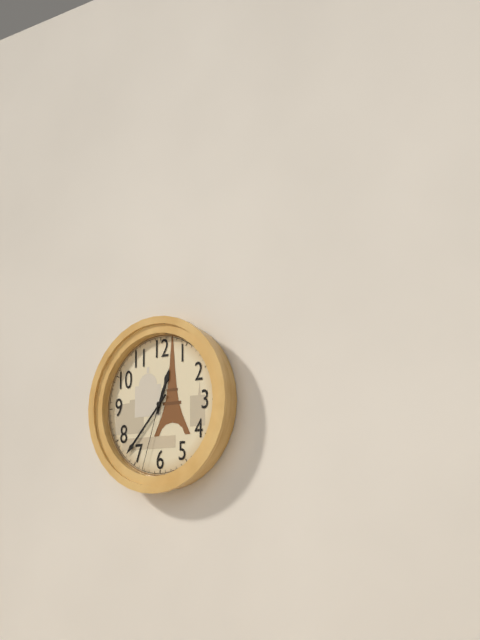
12:37:33
